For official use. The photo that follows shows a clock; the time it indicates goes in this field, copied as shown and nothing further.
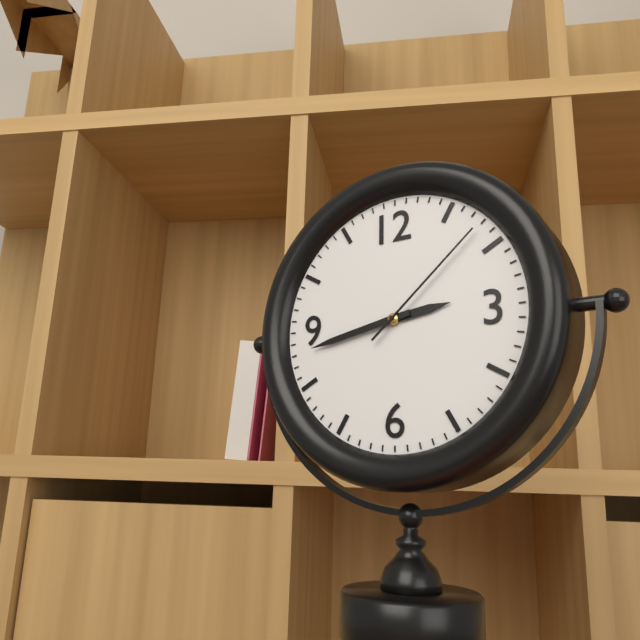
2:43:08
